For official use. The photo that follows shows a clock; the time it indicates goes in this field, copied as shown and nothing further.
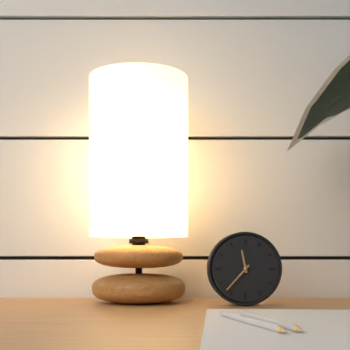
11:37
